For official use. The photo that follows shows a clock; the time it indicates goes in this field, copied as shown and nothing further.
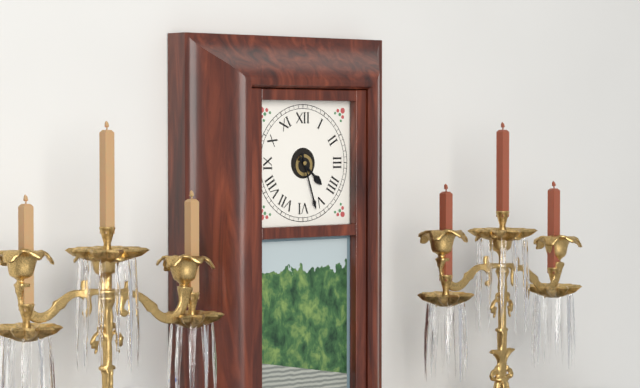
4:27
